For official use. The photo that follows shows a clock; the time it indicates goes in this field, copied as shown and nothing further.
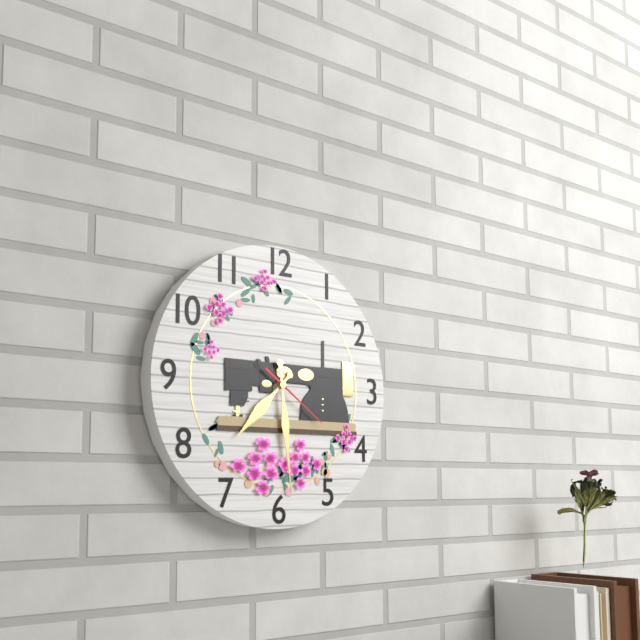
7:29:21
